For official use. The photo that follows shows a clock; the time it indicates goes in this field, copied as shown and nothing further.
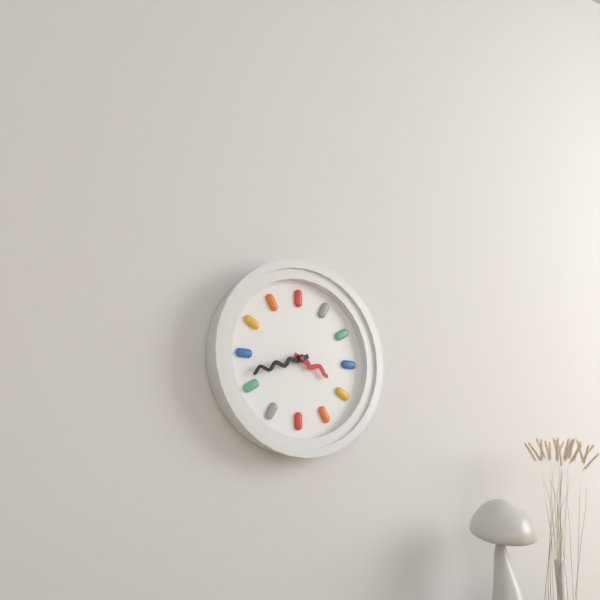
3:42
